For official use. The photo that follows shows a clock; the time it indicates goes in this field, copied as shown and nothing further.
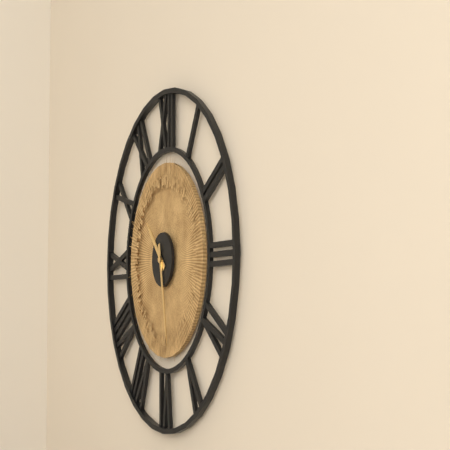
10:28
